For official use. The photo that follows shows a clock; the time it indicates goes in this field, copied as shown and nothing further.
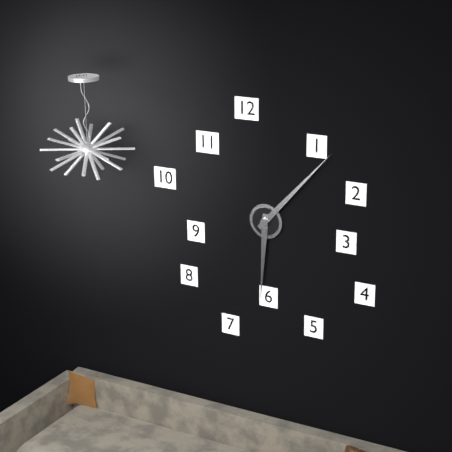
6:07
